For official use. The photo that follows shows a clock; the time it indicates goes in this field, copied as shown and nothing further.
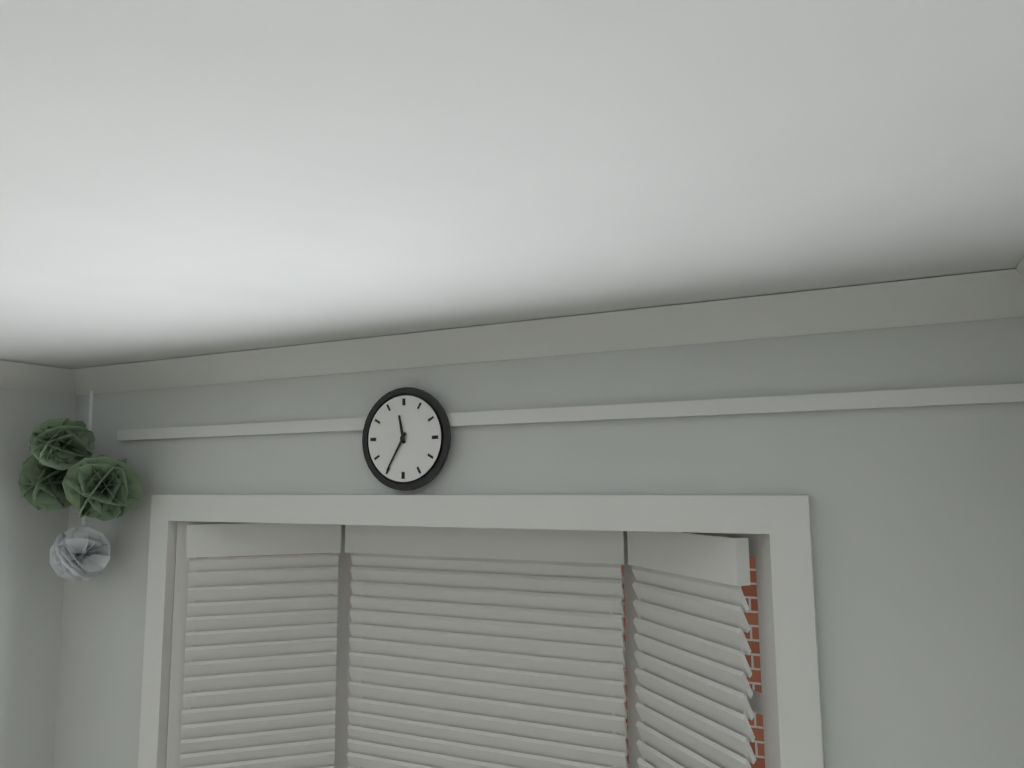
11:35
